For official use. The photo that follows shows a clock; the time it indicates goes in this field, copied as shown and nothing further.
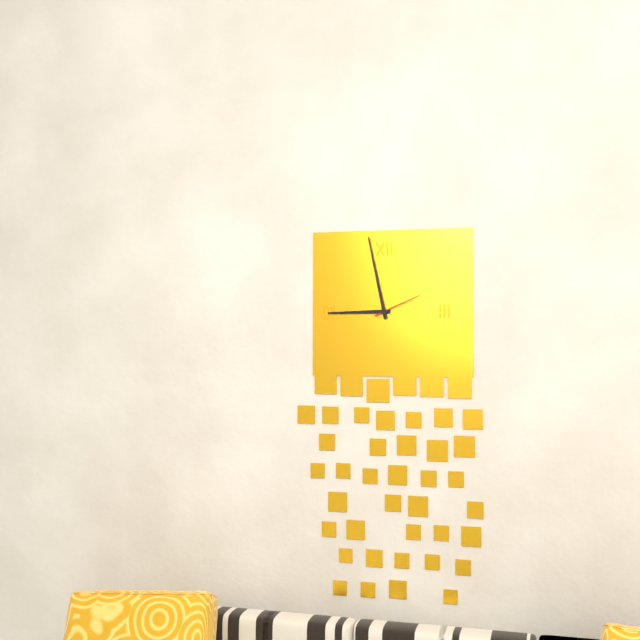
8:58:11
